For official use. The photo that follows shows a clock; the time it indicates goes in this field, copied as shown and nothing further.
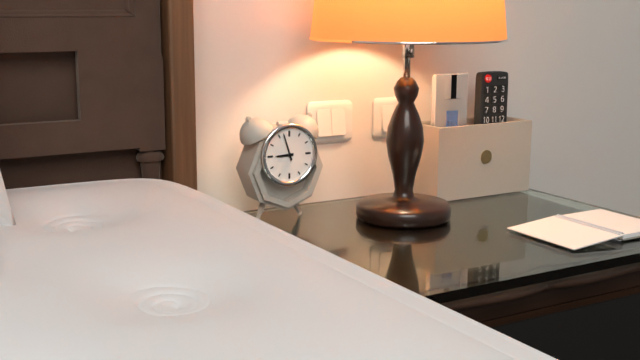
8:57
